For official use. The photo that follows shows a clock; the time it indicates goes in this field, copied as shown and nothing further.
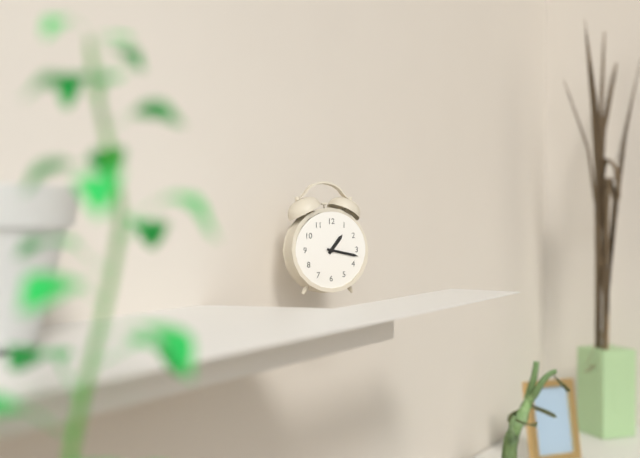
1:17
